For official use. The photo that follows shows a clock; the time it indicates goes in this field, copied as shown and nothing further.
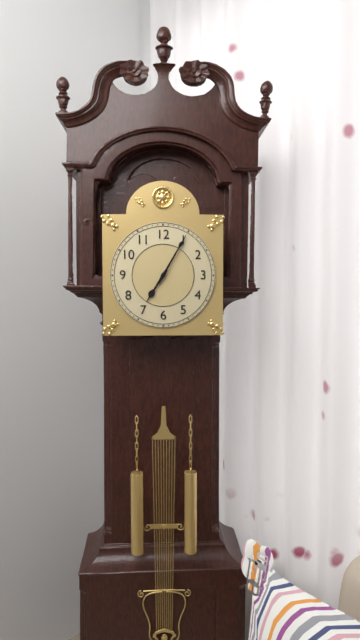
7:05
